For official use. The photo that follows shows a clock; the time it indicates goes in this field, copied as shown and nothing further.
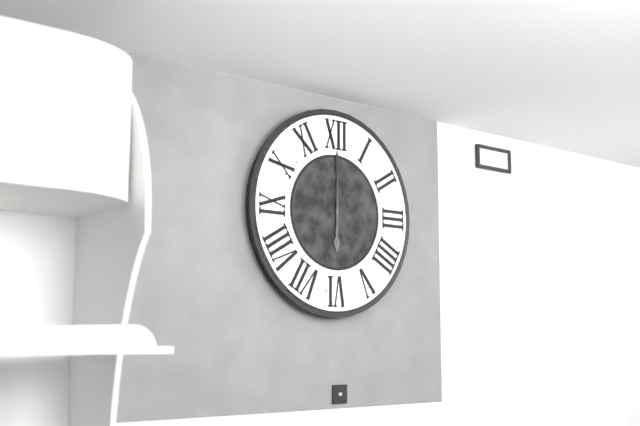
6:00
